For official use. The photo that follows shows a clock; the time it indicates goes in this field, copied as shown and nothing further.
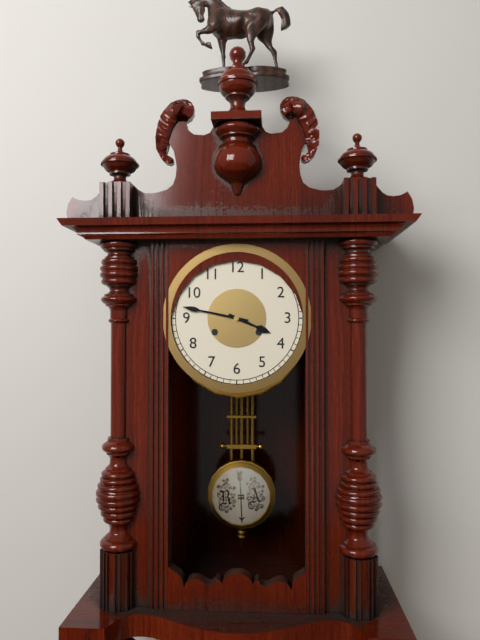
3:47
